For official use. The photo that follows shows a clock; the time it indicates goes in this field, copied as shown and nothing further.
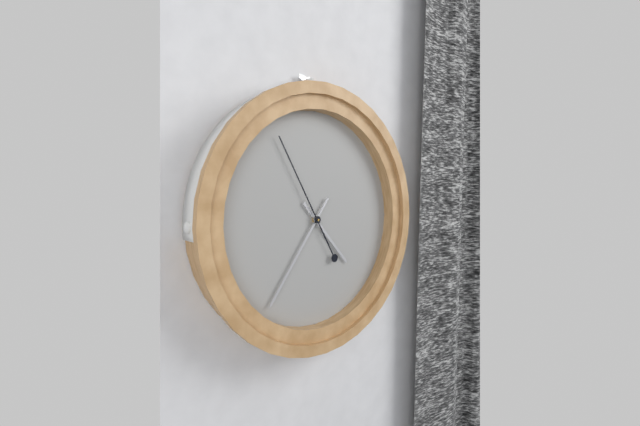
4:36:55
